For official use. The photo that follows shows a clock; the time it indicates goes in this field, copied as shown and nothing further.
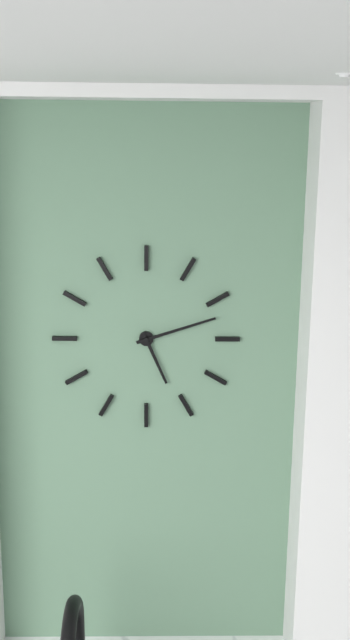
5:12
